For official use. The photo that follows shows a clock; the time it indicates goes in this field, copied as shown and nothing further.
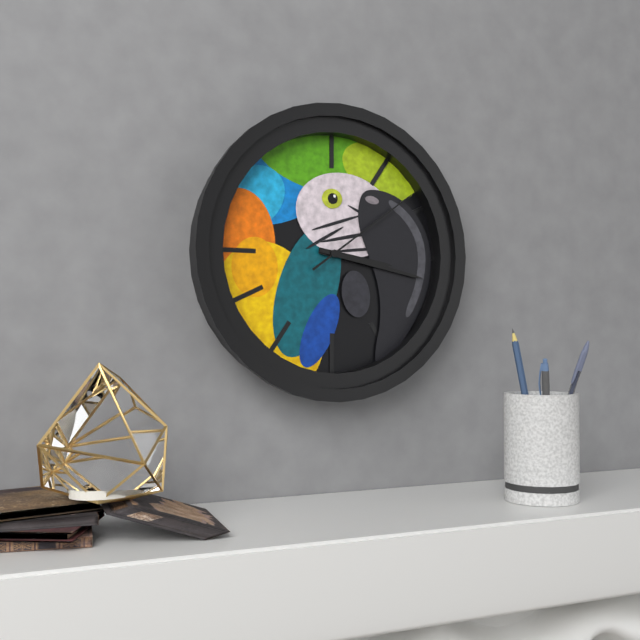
3:17:09
